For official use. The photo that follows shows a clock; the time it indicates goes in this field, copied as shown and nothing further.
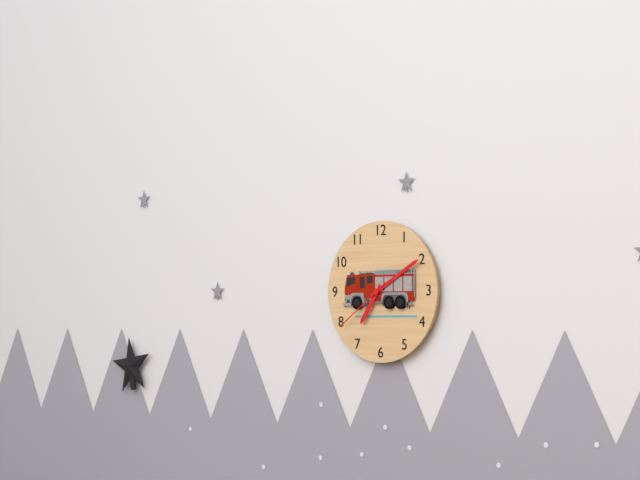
7:10:39
